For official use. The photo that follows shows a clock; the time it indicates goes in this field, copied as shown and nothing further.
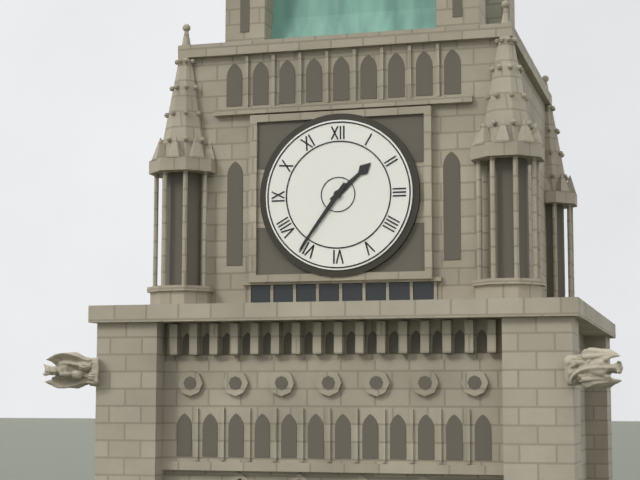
1:36
